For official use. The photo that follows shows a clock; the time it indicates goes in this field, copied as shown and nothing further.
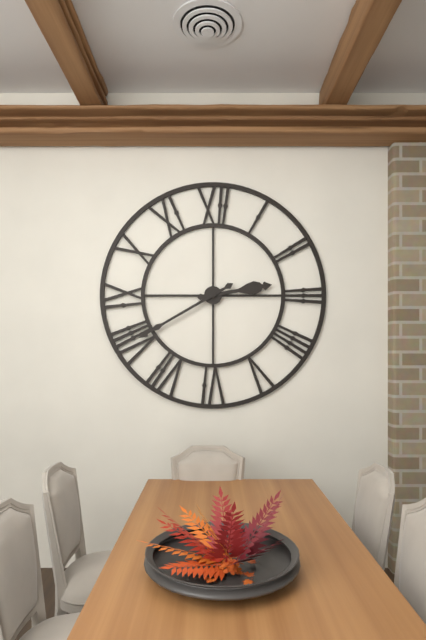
2:40
